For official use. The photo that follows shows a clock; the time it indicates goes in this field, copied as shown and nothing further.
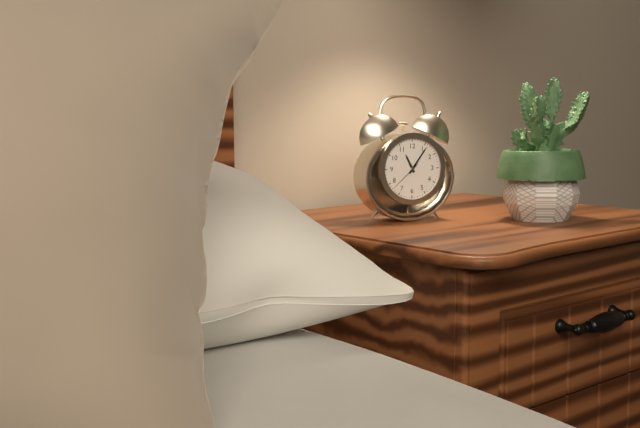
11:06
